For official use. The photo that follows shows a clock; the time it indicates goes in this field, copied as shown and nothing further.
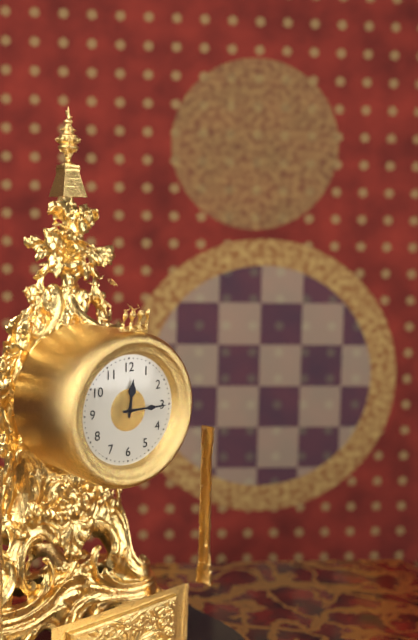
12:15
